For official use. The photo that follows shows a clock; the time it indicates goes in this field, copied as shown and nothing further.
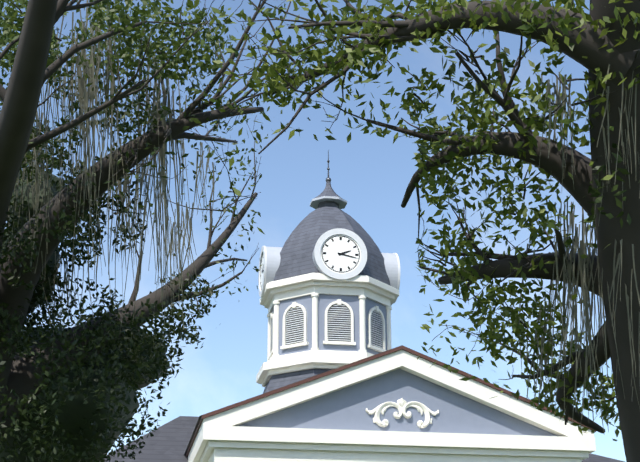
2:17
